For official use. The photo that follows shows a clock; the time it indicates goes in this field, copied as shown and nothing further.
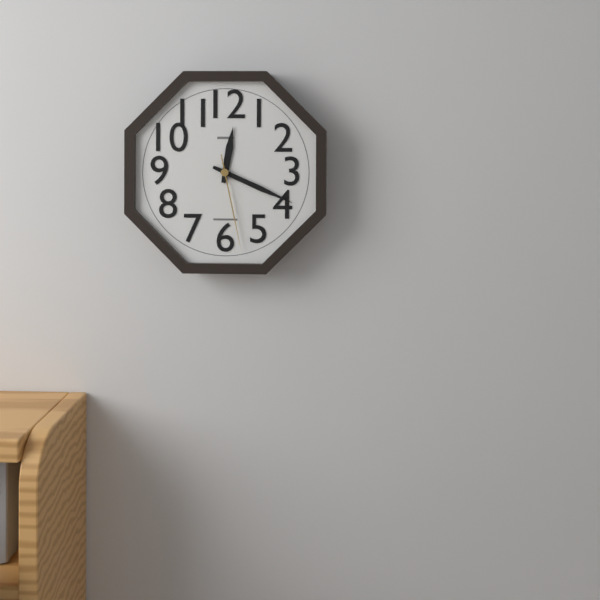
12:19:28
